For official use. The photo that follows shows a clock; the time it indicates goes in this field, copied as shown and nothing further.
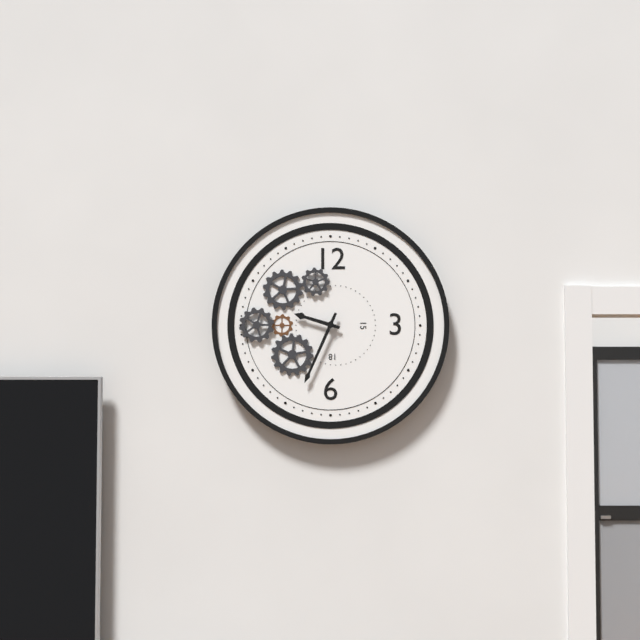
9:34
